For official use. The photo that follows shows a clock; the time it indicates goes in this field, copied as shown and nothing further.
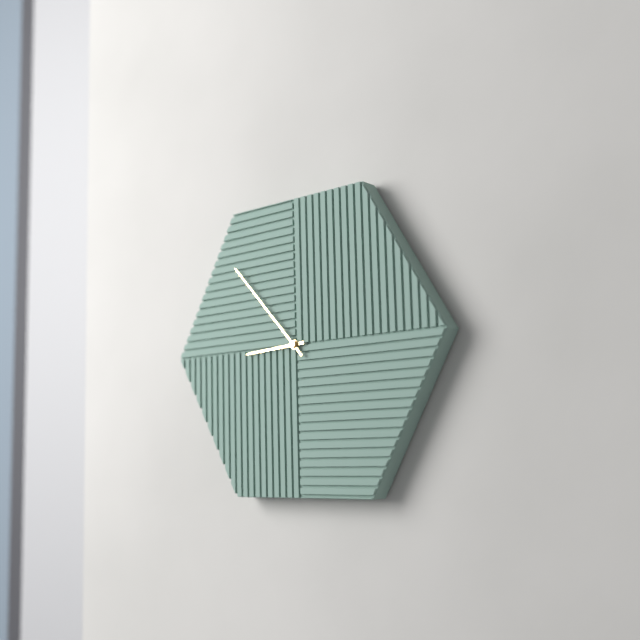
8:53
